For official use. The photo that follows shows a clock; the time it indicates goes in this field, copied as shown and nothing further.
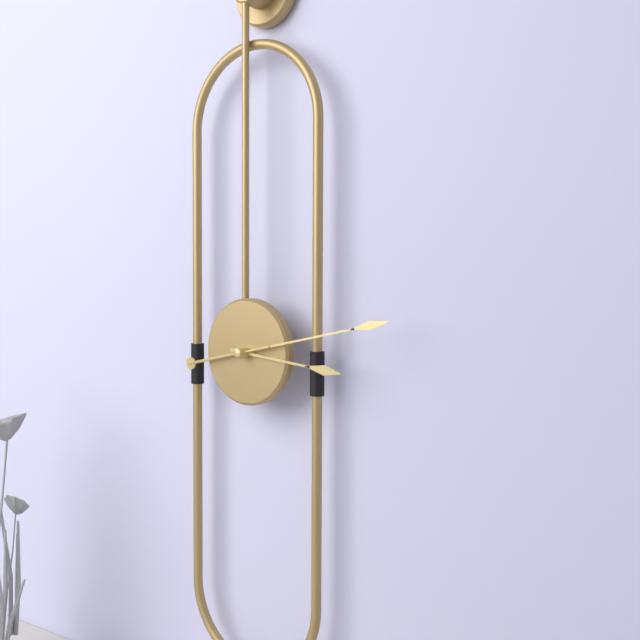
3:13:43
